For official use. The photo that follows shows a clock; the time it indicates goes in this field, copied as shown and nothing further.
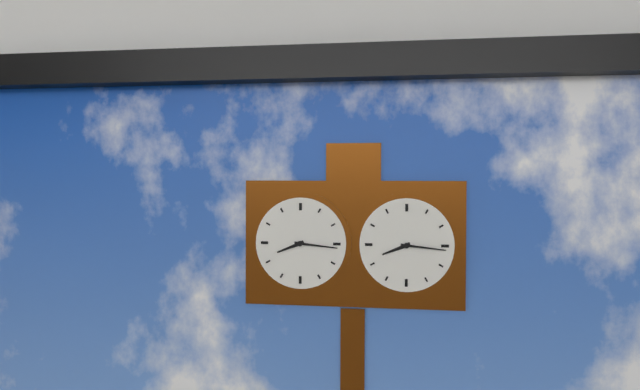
8:16
